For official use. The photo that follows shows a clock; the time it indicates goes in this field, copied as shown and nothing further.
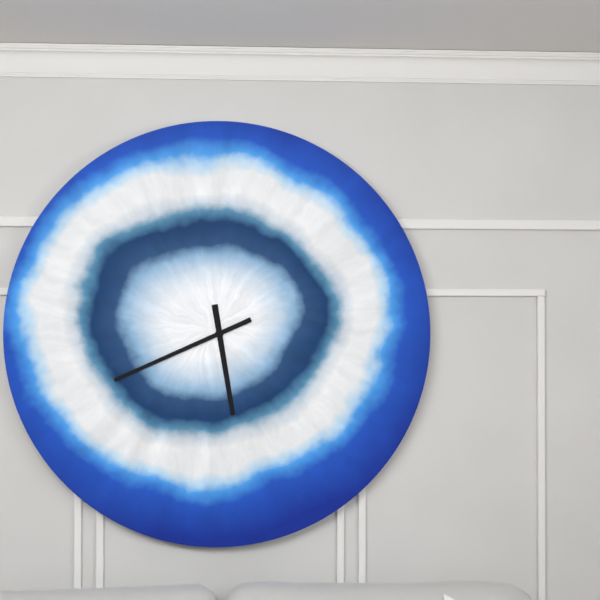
5:41
